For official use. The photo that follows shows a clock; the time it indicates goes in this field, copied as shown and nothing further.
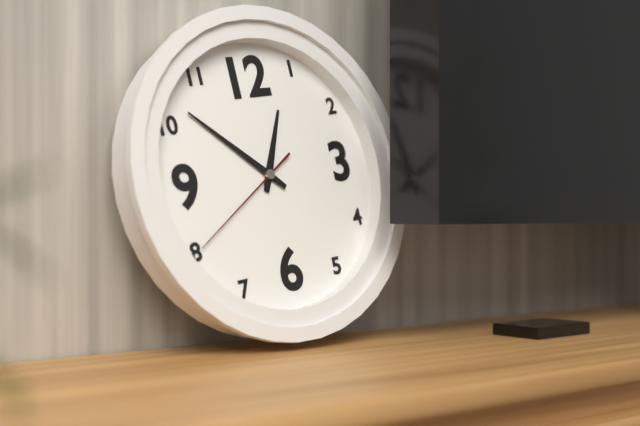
12:52:40
